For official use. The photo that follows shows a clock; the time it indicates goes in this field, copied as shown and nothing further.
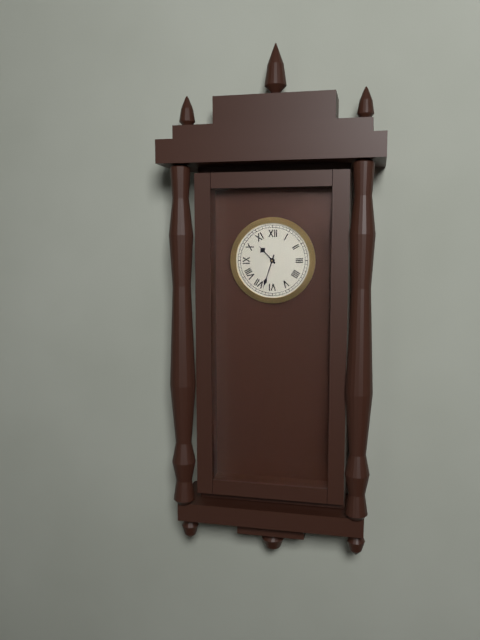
10:33
